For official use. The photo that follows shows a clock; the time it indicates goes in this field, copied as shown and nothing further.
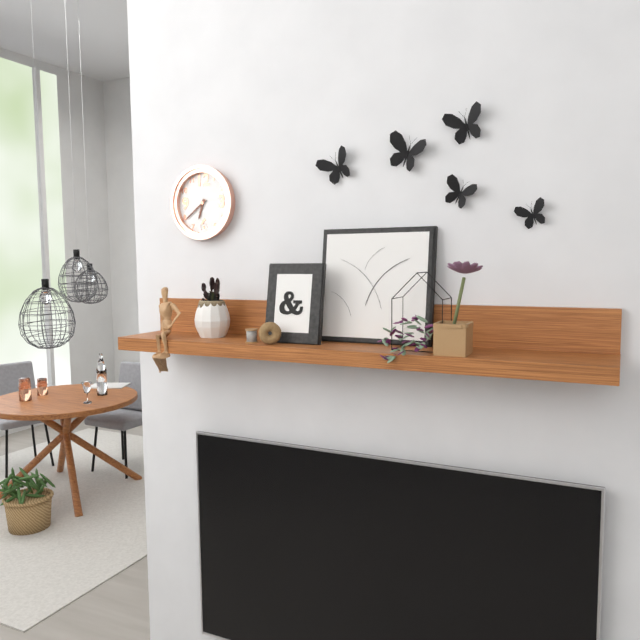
6:39
